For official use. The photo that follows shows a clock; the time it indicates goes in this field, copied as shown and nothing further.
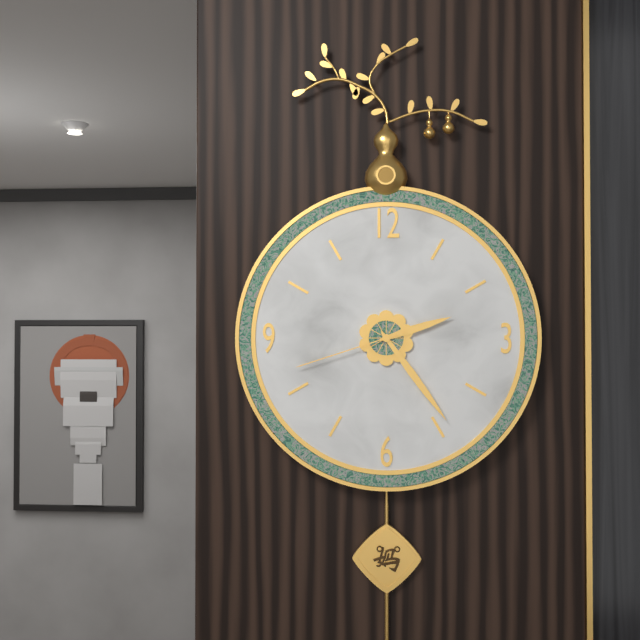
2:24:42
